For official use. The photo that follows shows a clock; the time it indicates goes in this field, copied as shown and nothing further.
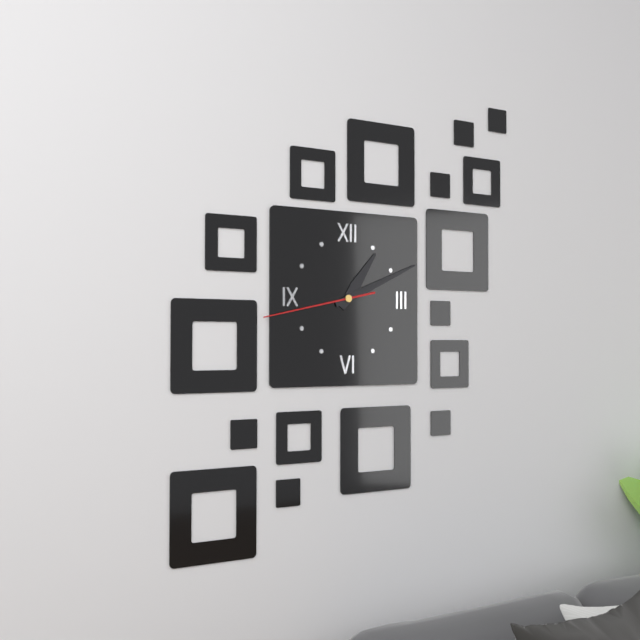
1:11:43
